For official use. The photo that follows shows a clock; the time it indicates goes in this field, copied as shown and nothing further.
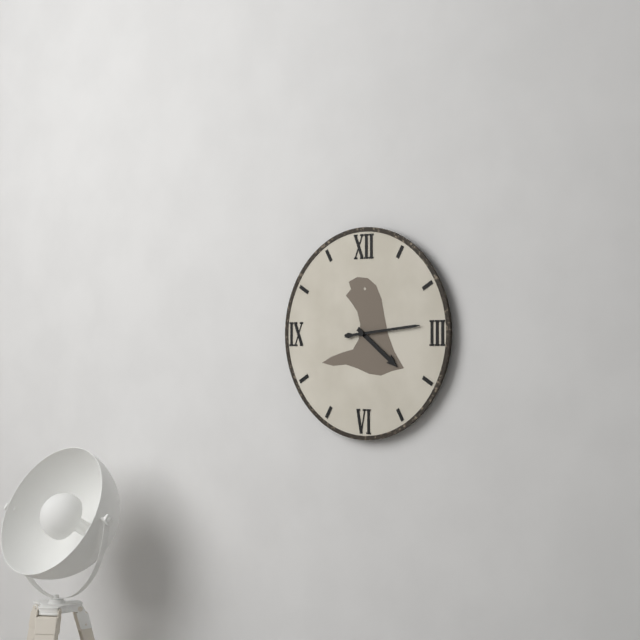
4:14
